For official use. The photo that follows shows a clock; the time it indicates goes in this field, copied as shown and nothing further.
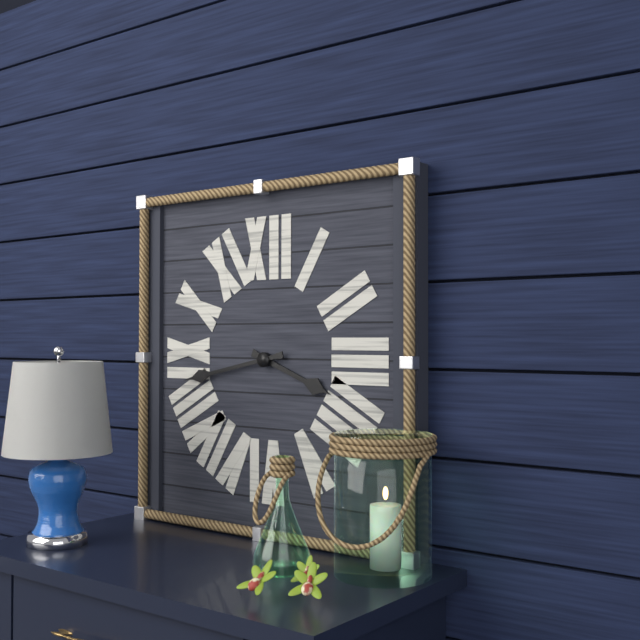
3:43
